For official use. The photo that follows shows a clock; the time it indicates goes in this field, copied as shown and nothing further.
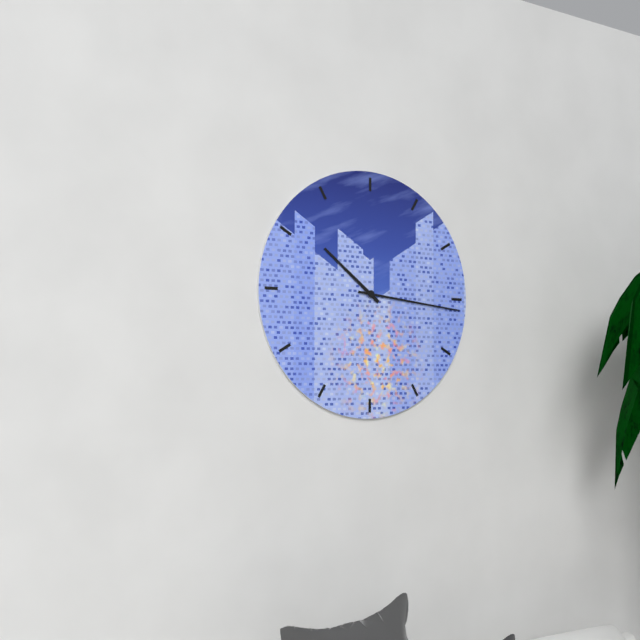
10:16
